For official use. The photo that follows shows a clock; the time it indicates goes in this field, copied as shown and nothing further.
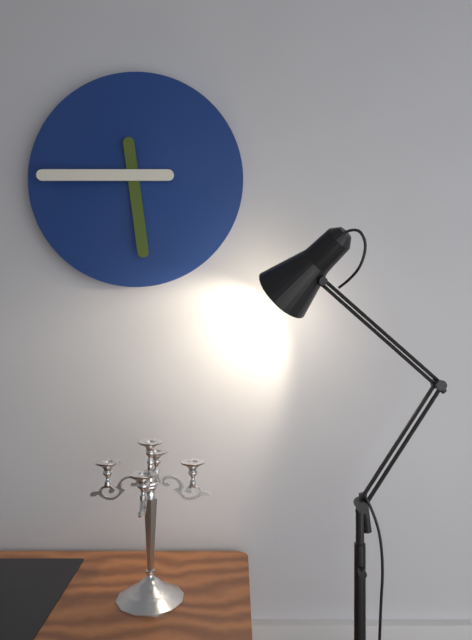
5:45
